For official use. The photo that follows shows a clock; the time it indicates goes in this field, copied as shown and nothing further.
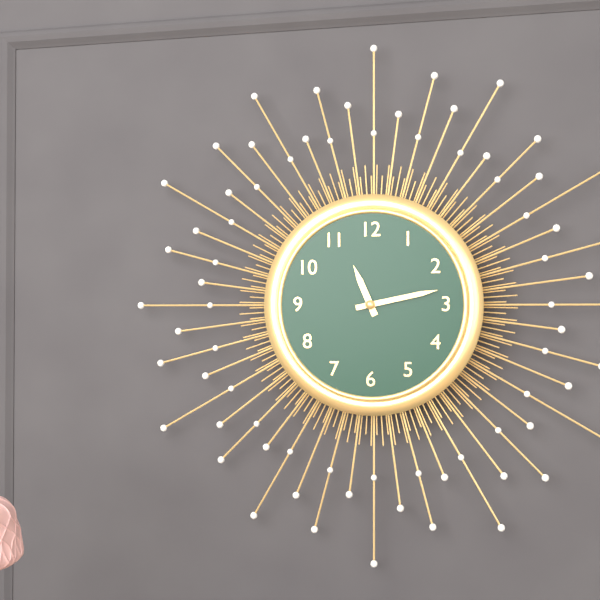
11:13
